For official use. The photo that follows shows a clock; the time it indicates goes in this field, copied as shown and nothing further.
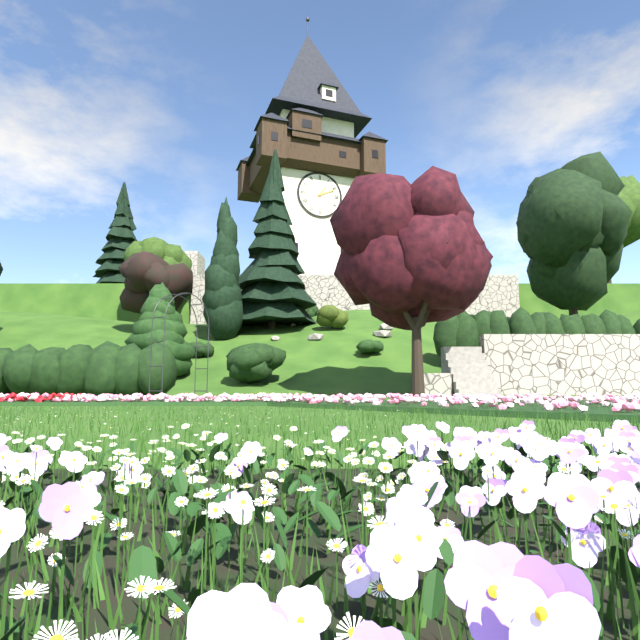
1:11
